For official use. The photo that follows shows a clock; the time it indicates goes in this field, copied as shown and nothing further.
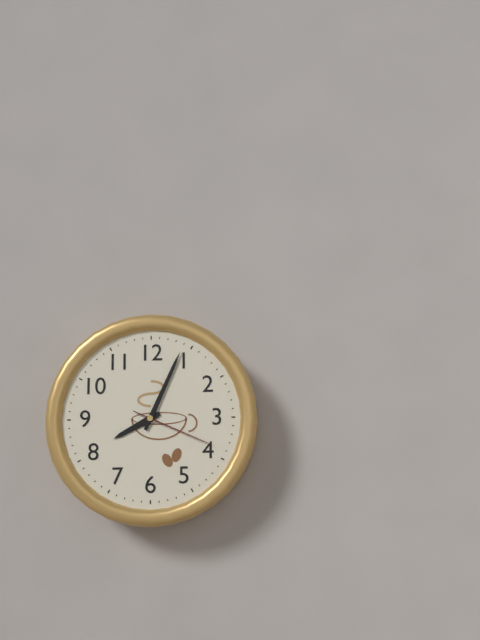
8:04:19
